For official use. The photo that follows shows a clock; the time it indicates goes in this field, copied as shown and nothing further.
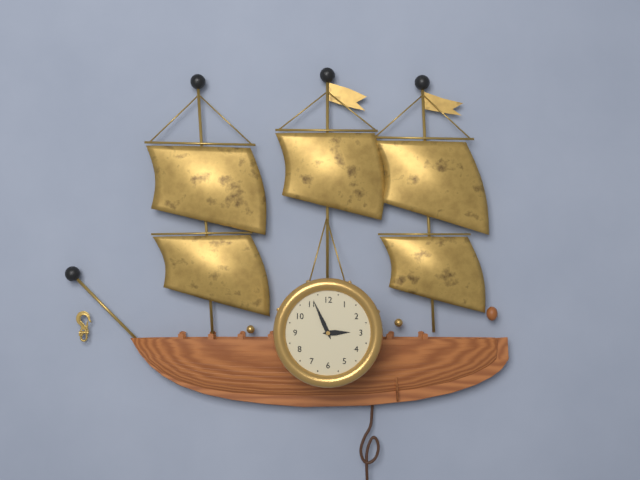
2:56
